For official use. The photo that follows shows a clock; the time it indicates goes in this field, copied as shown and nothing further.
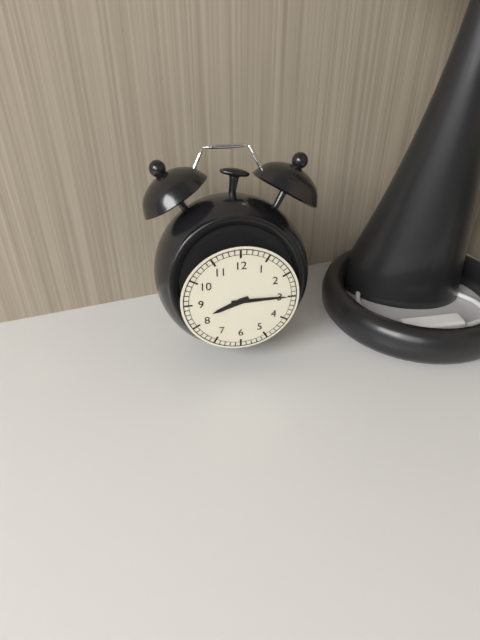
8:15
